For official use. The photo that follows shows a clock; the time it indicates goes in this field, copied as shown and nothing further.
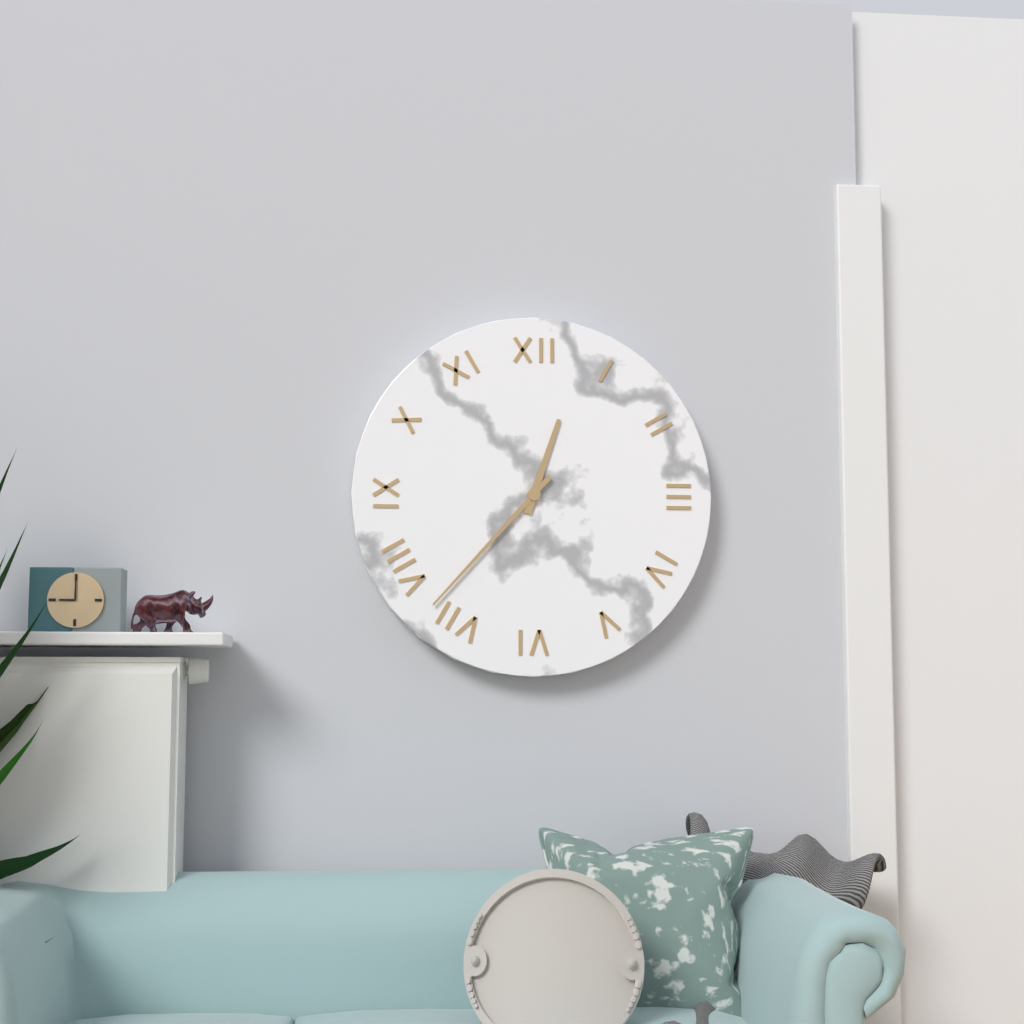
12:37
